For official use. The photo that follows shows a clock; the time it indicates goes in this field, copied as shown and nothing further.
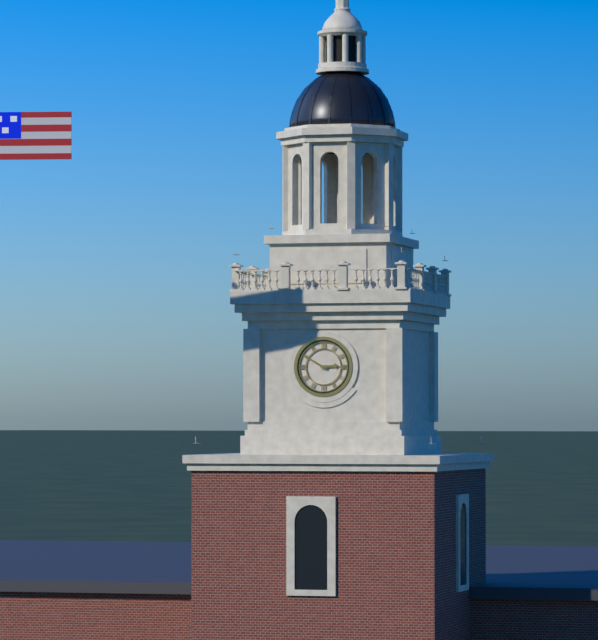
2:50
